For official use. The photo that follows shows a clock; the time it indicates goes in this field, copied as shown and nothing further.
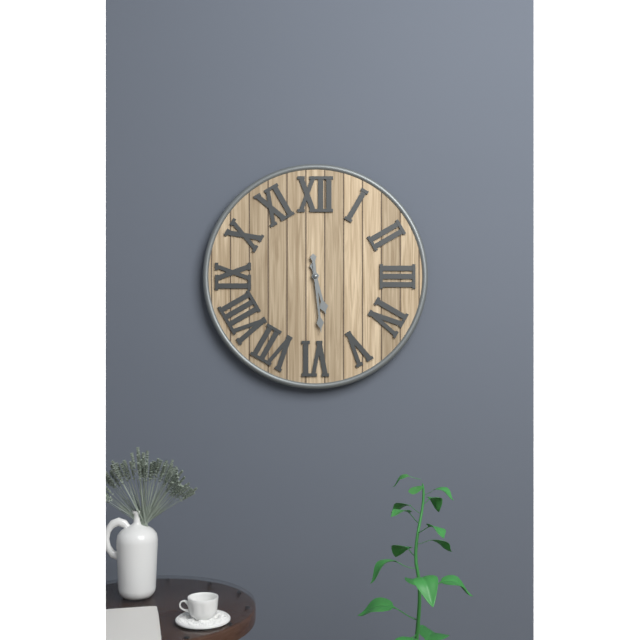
5:29
